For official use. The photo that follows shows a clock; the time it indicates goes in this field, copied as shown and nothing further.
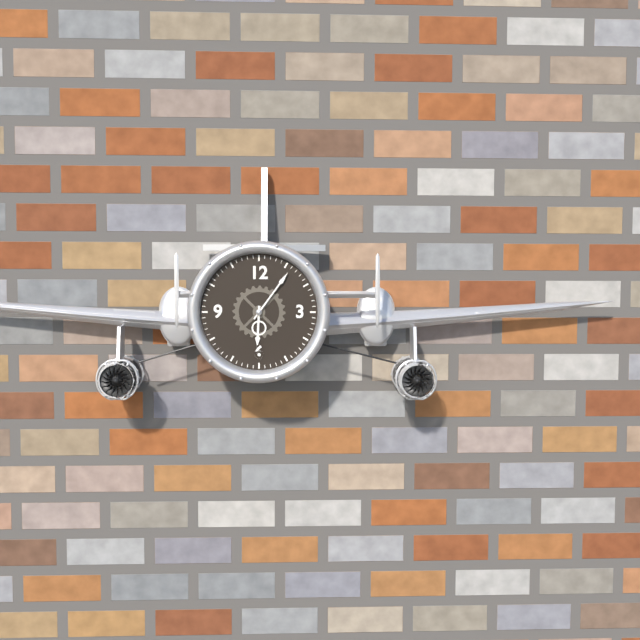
6:06
